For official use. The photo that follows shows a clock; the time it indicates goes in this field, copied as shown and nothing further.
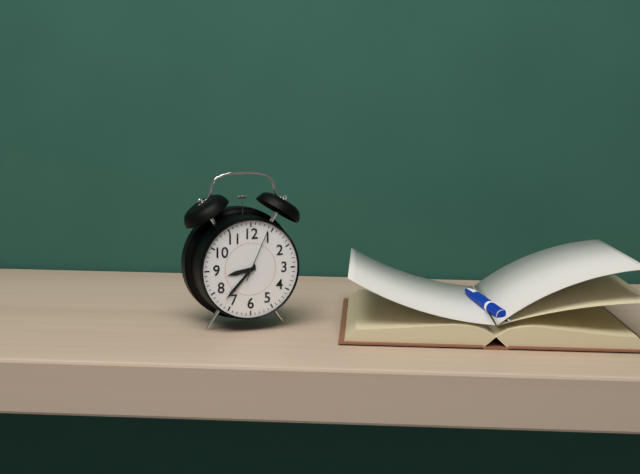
8:37:04
